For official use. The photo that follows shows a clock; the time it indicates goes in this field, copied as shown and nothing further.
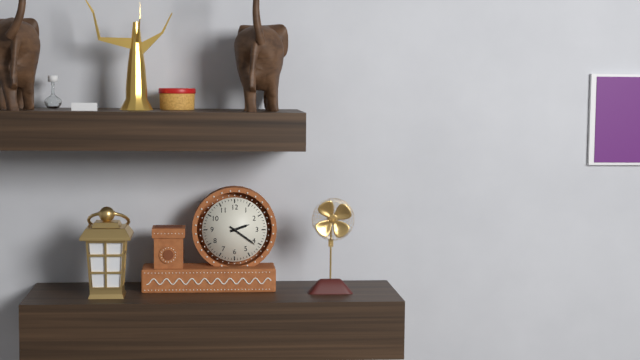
2:21
